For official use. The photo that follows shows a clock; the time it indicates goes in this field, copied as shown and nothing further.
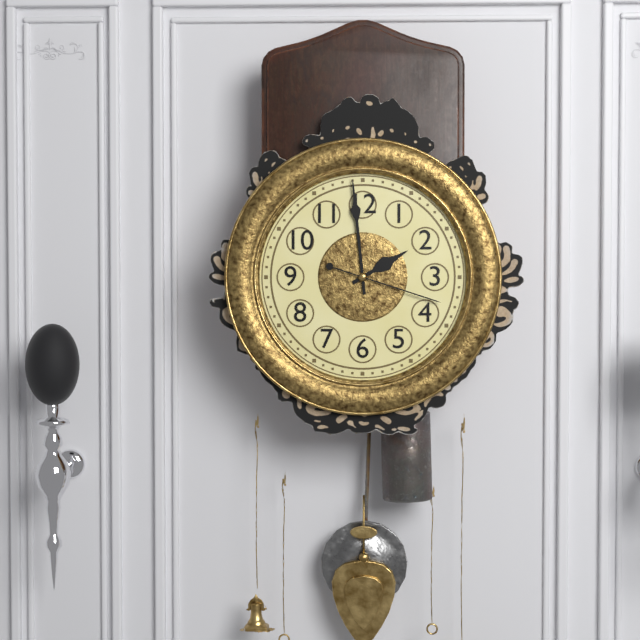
1:59:18
